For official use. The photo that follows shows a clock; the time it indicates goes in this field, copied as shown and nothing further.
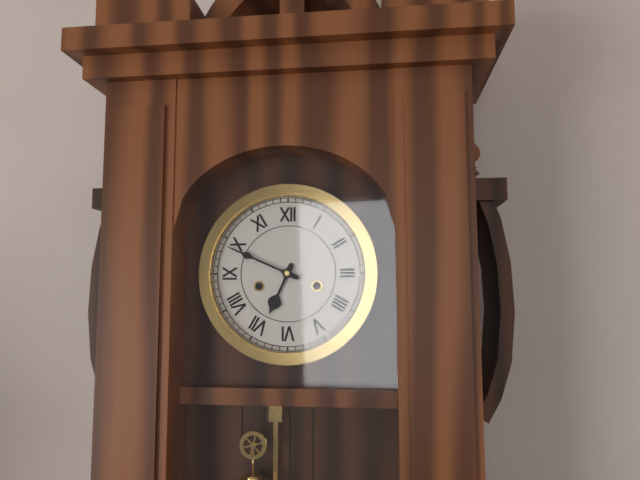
6:49
